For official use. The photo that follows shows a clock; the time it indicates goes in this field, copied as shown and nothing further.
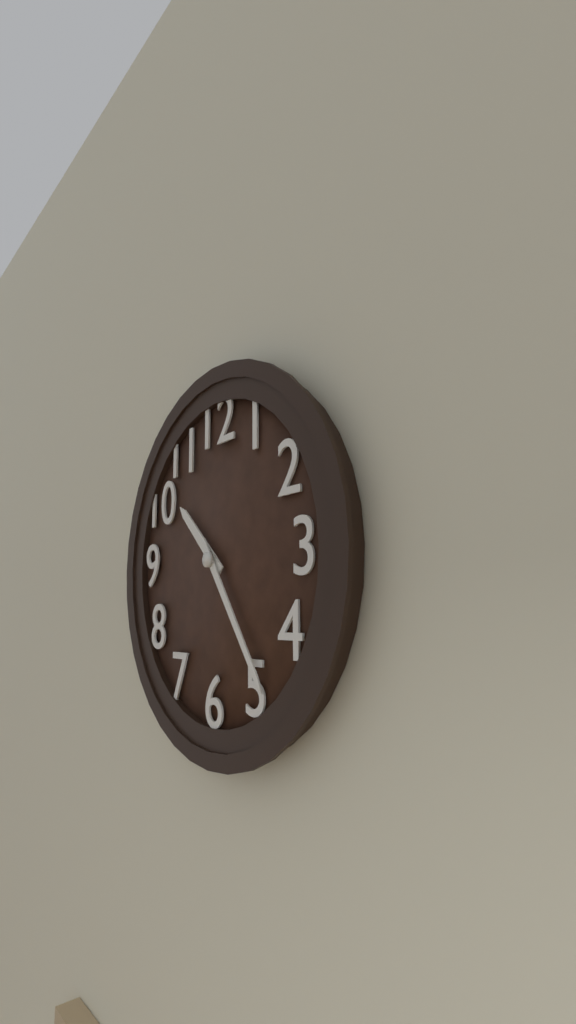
10:24
